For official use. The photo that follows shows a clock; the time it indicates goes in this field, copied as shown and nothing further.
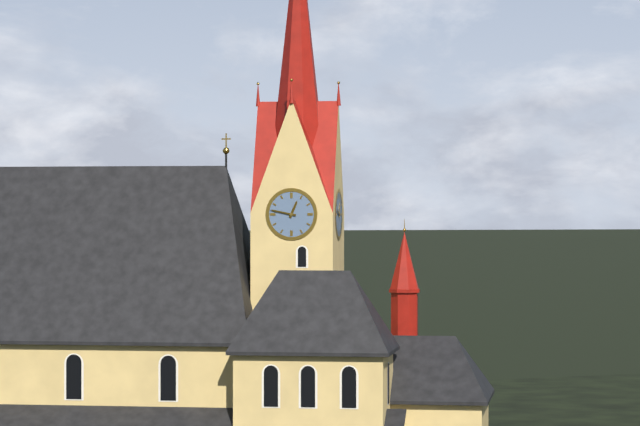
12:47
